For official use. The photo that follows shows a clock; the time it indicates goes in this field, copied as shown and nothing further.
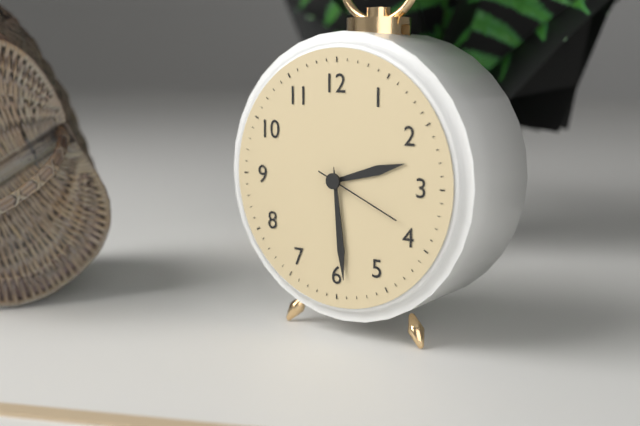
2:29:19
